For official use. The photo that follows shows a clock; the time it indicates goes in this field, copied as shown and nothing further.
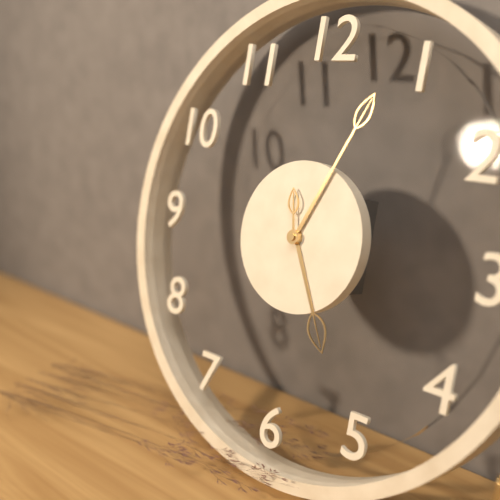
5:04:58
